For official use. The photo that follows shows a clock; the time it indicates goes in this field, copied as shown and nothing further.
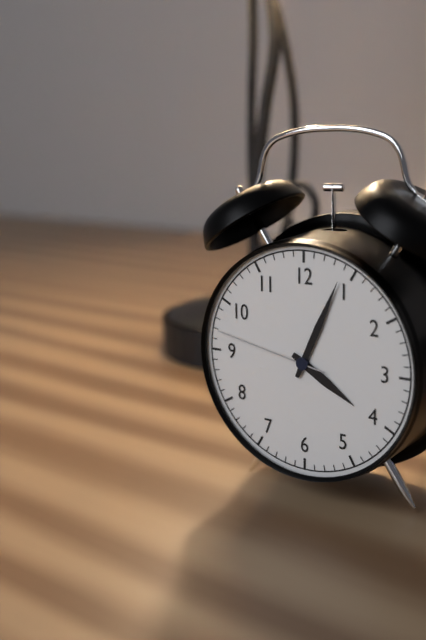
4:04:47
